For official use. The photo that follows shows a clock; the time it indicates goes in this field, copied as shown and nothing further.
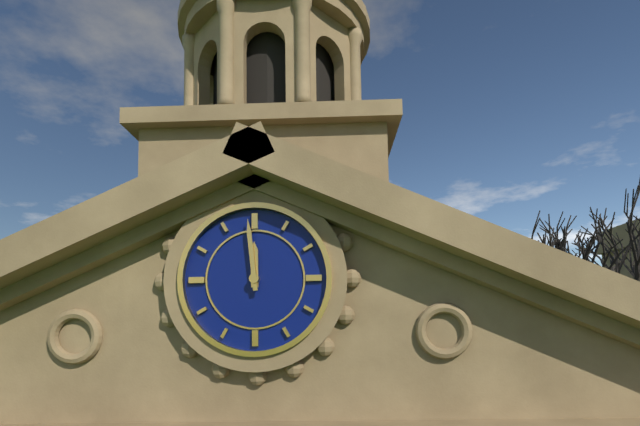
11:59
